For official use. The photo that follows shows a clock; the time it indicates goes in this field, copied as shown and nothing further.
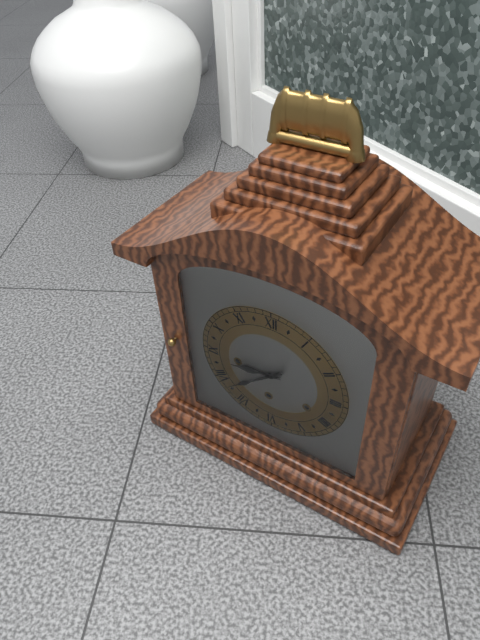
8:38
